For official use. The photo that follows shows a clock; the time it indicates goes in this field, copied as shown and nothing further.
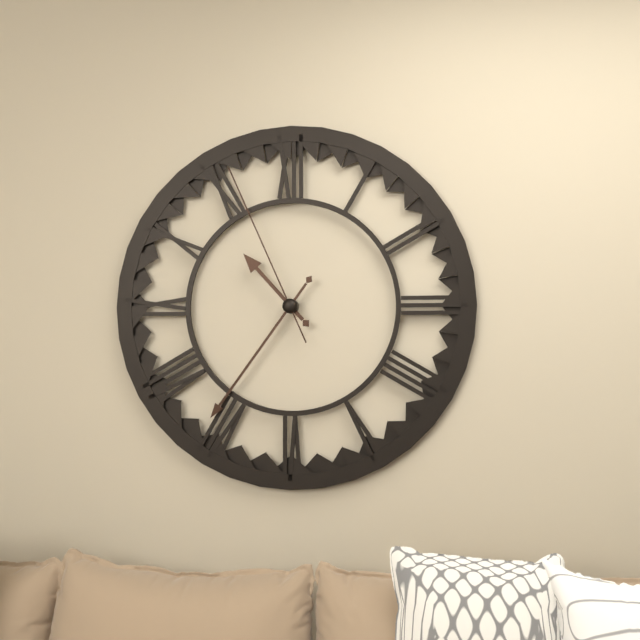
10:36:56
